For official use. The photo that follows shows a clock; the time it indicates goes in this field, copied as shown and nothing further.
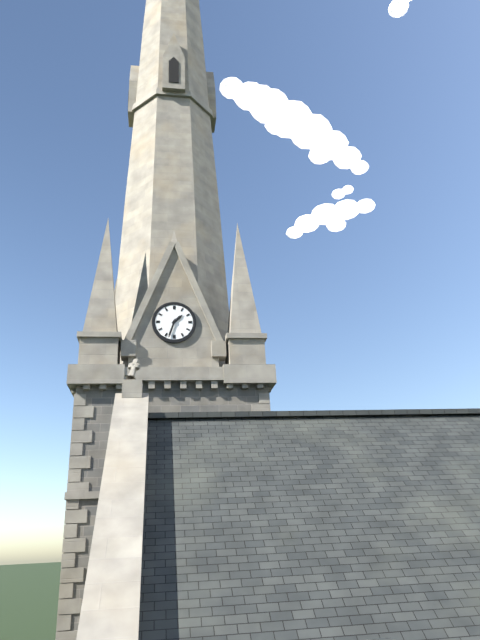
1:33
